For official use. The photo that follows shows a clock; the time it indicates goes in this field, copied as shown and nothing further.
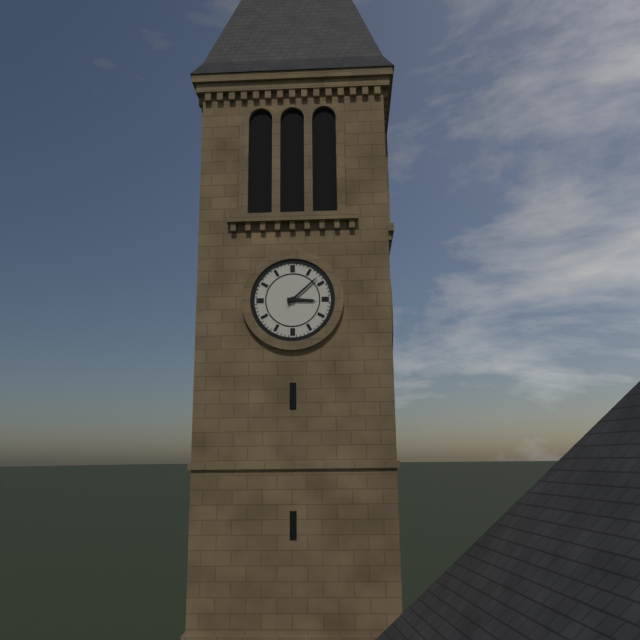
3:08
